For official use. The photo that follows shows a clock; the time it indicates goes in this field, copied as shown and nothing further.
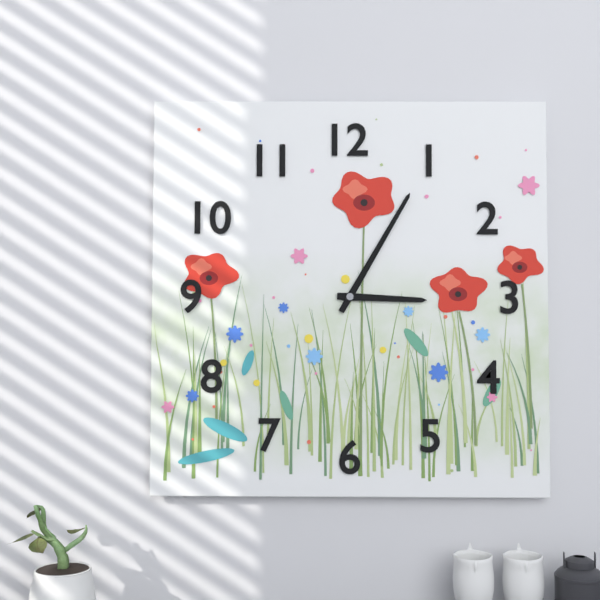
3:05
